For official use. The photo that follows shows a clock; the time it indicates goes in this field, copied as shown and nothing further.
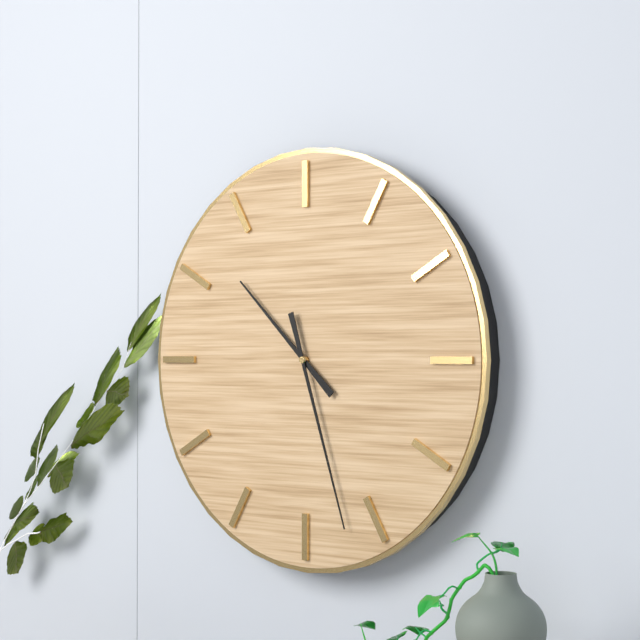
10:27
